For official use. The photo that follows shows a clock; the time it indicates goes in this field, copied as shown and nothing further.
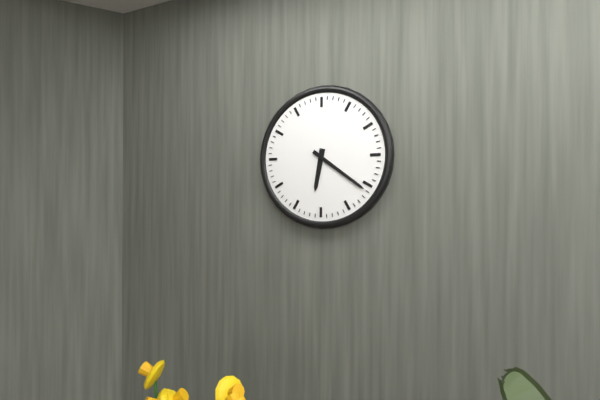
6:21
